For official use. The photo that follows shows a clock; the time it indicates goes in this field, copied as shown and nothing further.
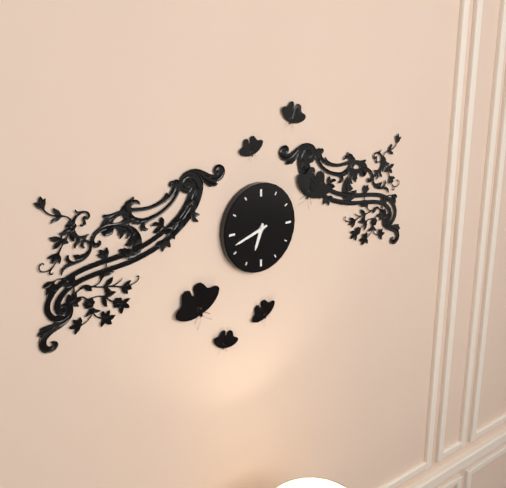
6:42
